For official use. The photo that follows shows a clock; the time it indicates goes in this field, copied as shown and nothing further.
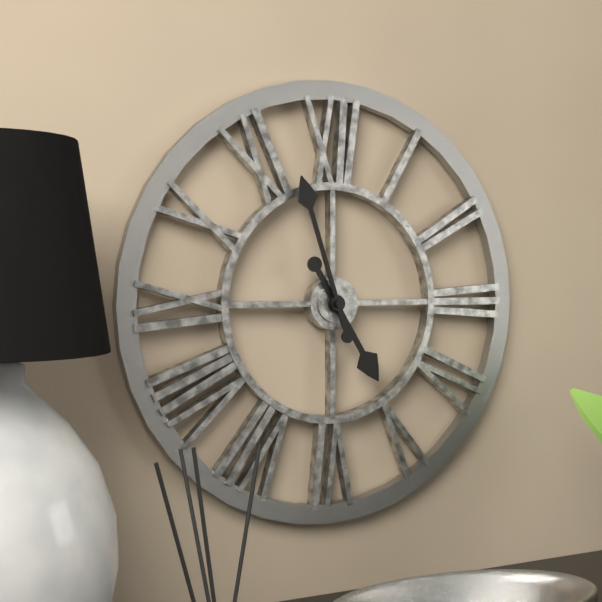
4:57
